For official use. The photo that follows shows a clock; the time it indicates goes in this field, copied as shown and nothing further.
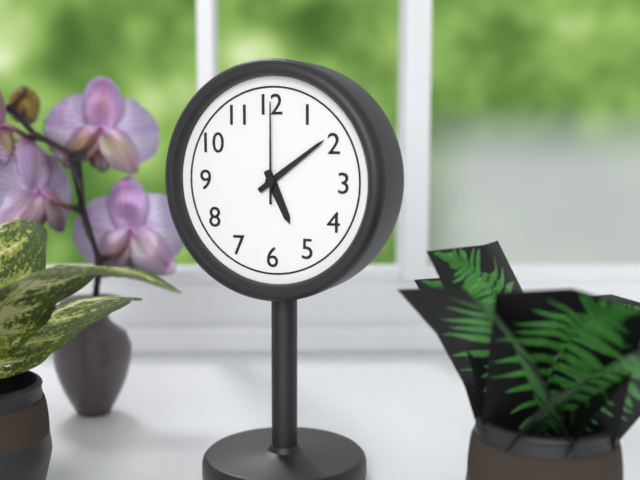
5:09:00
